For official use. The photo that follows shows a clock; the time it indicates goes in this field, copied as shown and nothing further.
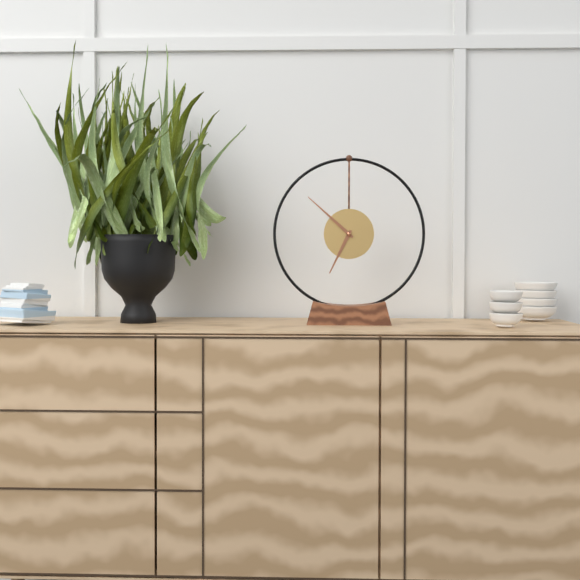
6:52
